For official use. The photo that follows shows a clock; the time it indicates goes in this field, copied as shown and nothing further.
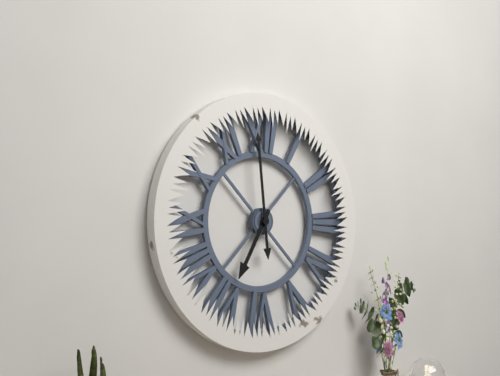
6:59
